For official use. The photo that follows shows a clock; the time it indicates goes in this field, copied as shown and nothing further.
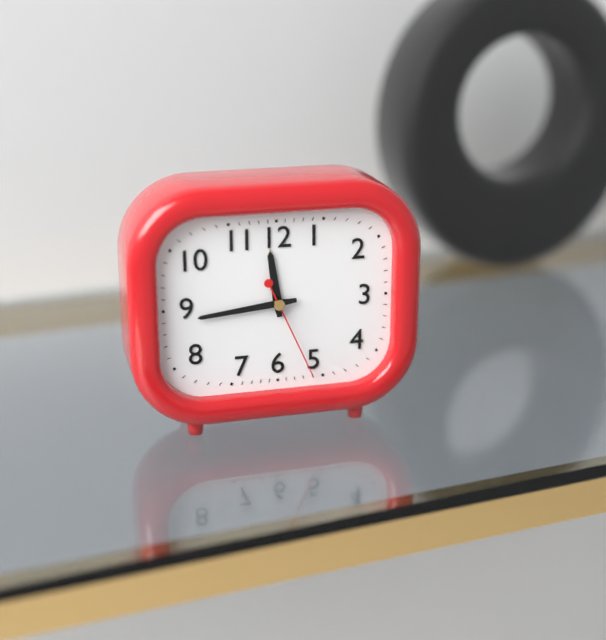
11:44:26
